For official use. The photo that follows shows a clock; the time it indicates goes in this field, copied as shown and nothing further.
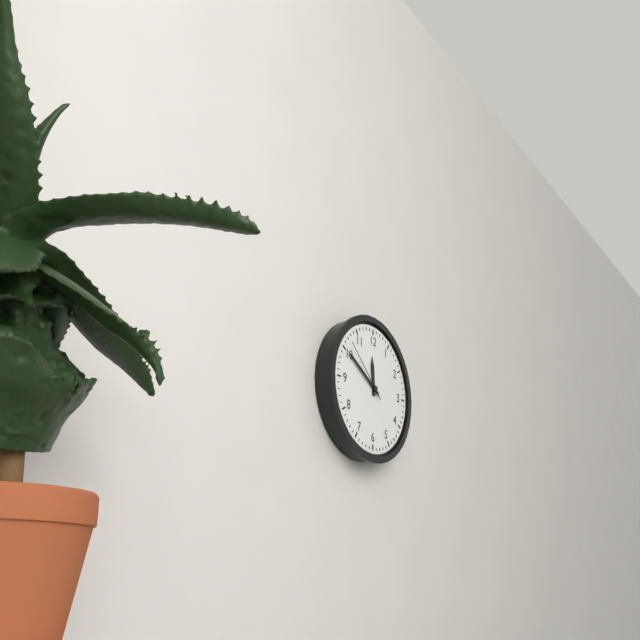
11:50:52
